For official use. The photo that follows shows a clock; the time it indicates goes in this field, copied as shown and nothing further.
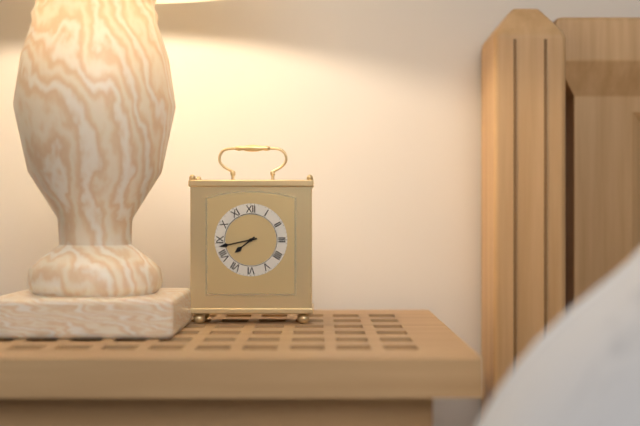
7:43
